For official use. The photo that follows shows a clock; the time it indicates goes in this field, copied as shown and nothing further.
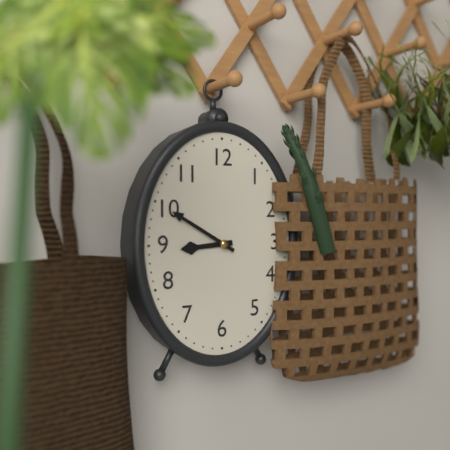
8:50
